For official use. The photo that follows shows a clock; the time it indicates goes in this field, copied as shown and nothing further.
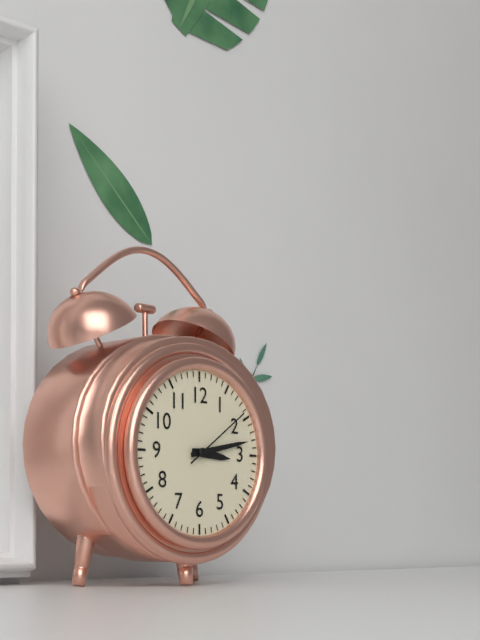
3:13:09
